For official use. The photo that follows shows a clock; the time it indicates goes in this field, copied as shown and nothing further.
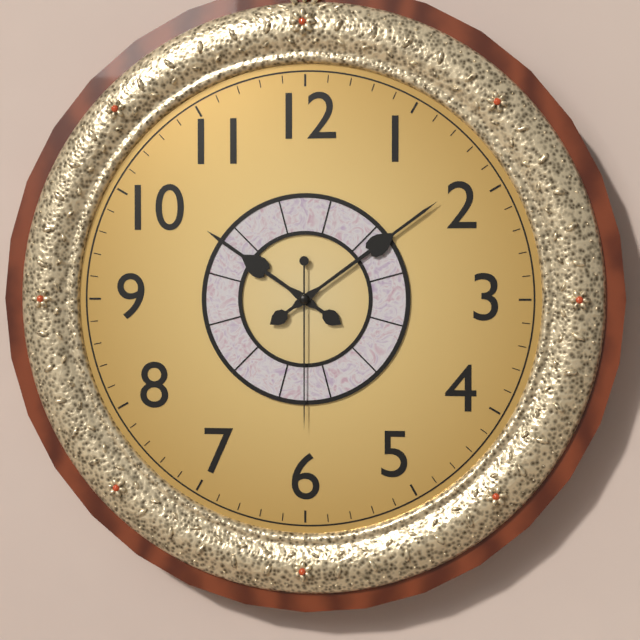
10:09:30
